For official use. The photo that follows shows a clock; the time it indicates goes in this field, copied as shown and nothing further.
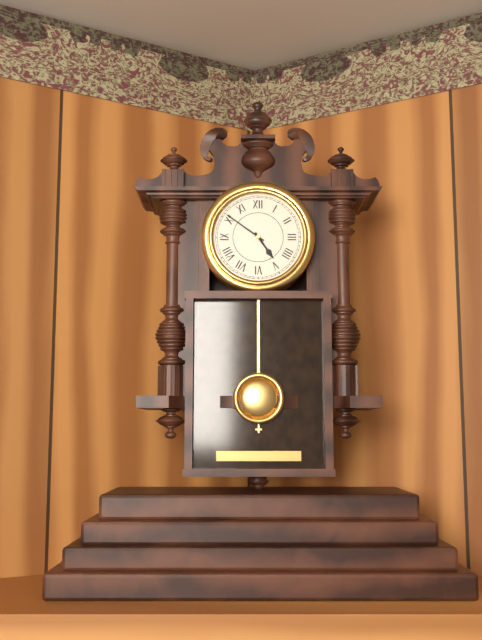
4:51
